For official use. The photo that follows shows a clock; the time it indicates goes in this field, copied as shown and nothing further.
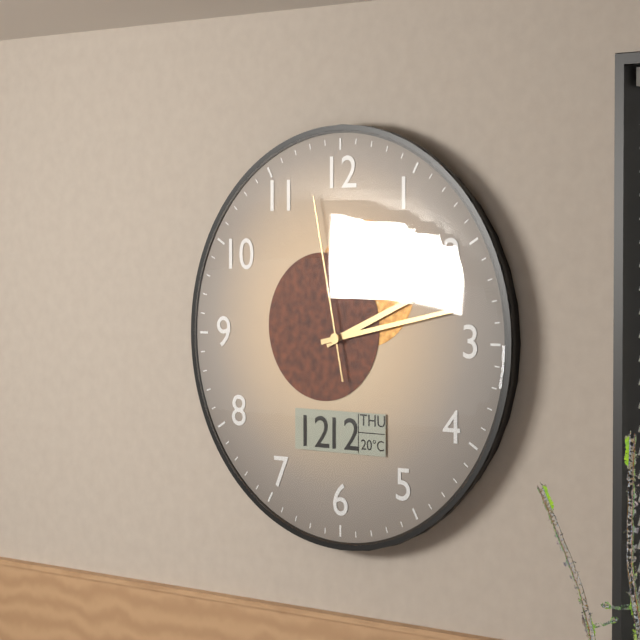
2:13:58
